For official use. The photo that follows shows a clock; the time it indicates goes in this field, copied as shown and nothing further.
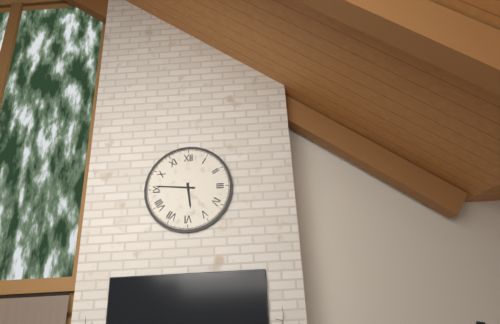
5:46
